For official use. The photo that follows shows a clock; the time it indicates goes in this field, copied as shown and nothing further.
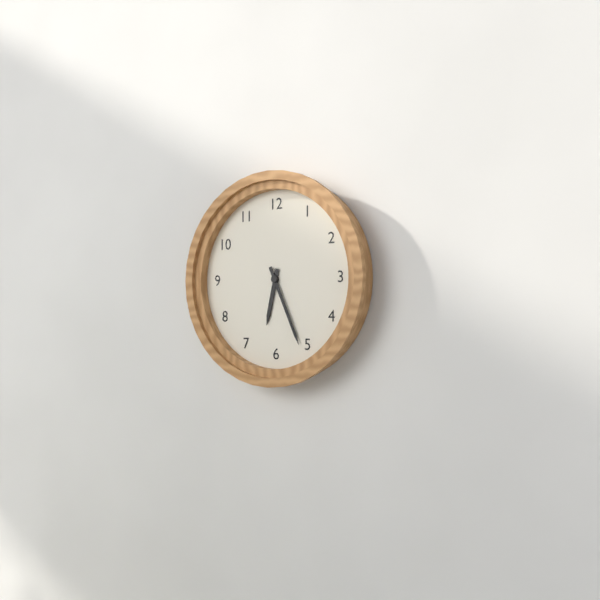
6:26
